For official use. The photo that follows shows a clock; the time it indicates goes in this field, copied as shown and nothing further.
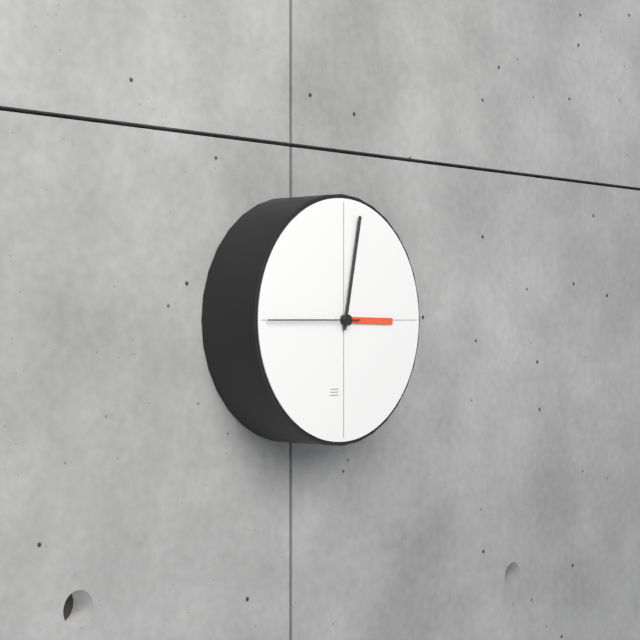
3:02:45
